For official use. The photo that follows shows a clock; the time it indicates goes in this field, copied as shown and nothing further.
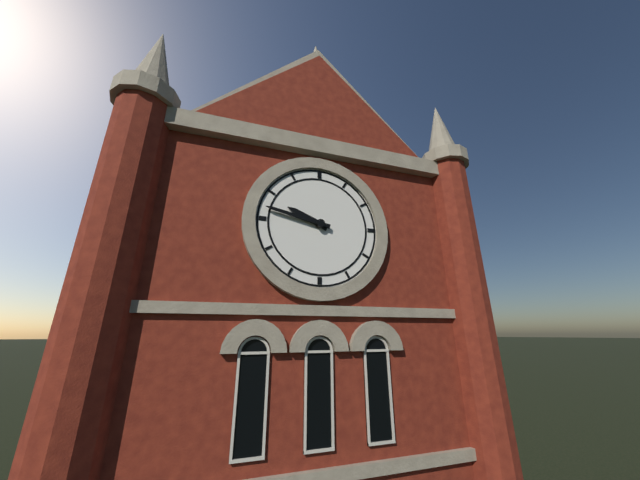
9:47
